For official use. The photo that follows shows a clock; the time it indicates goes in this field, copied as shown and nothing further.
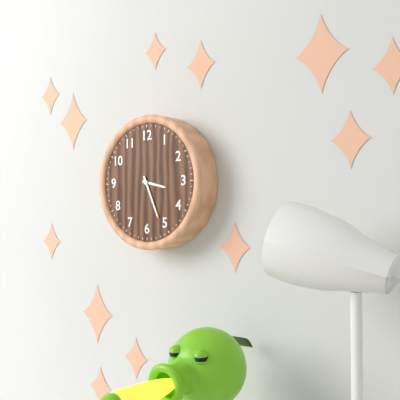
3:26
